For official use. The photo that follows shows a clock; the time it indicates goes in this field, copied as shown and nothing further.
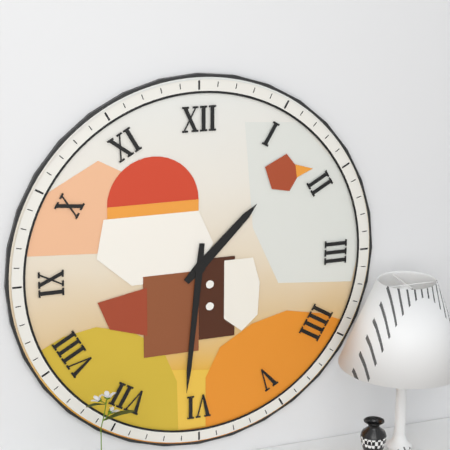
1:31
